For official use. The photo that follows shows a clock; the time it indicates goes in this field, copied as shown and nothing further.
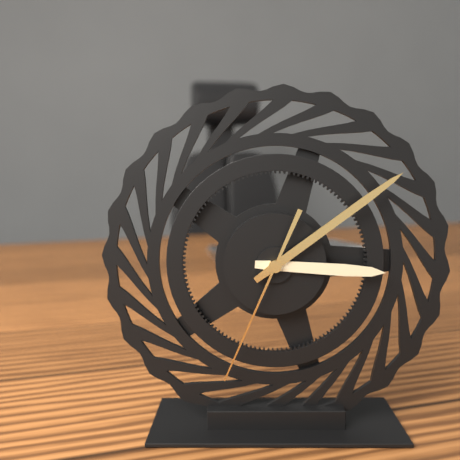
3:09:34
